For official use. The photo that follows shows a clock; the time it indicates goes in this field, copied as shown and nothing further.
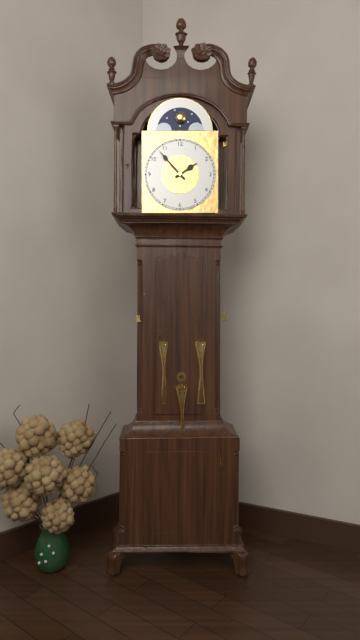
1:53
